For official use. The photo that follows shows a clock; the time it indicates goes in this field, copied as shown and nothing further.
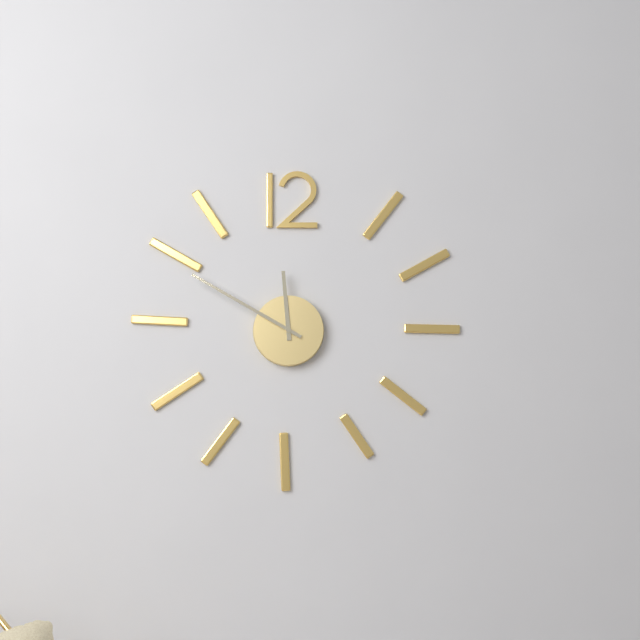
11:50
